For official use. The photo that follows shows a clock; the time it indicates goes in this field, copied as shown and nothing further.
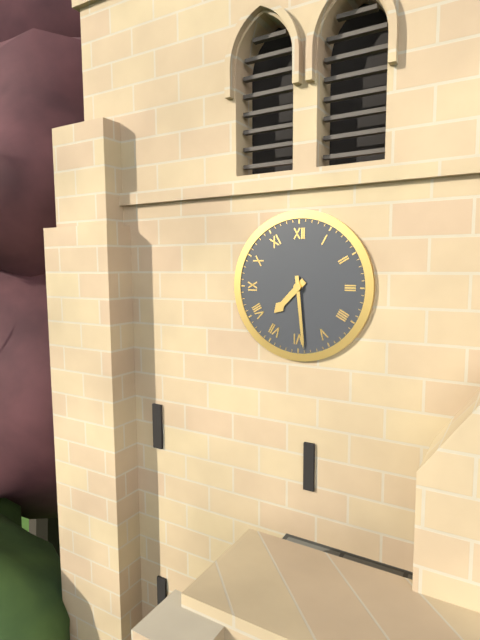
7:29
